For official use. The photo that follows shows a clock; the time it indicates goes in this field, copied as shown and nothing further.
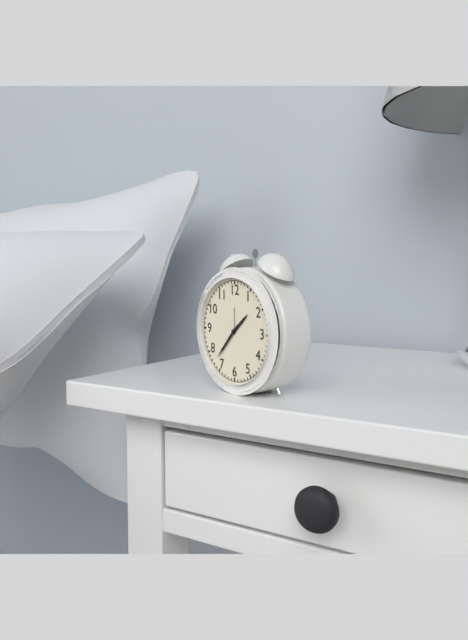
1:37
